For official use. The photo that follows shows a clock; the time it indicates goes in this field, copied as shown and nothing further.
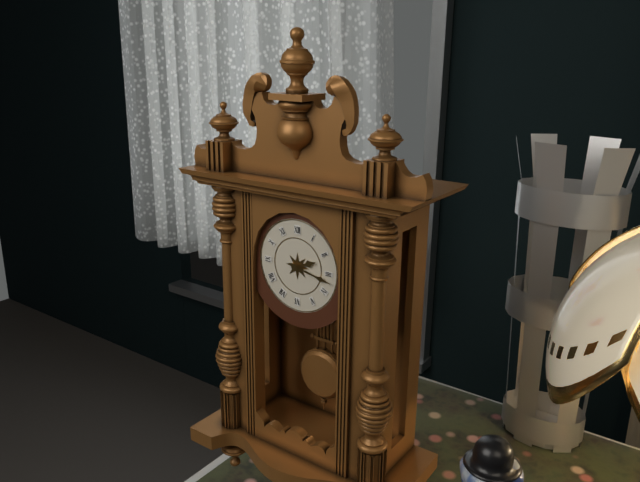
2:17
